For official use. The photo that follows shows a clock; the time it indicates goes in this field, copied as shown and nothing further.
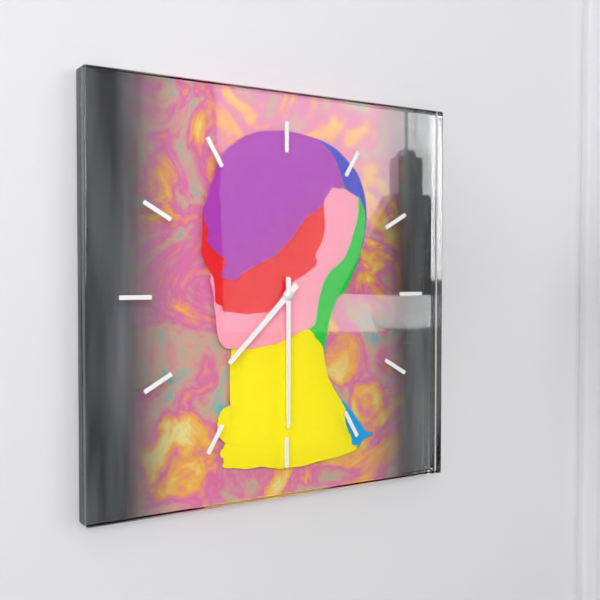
7:30
